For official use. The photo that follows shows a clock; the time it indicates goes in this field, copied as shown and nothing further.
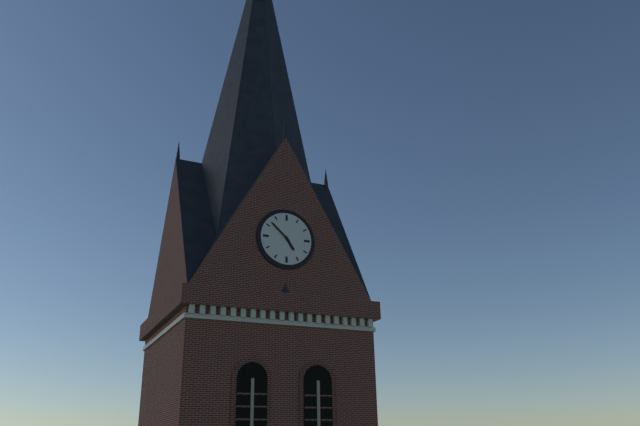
4:52
